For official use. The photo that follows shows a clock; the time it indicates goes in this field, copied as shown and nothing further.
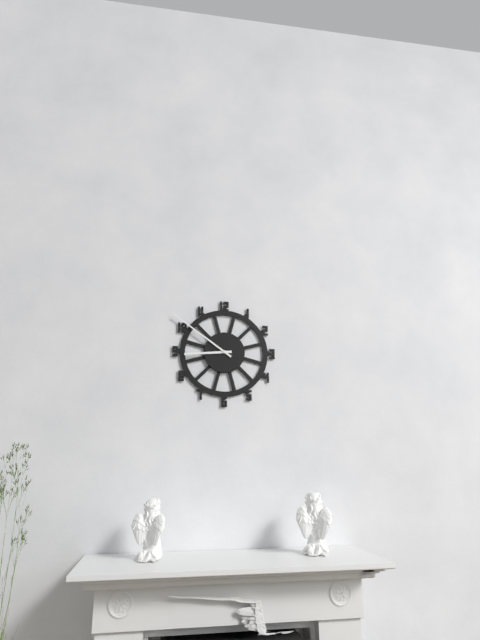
8:51
